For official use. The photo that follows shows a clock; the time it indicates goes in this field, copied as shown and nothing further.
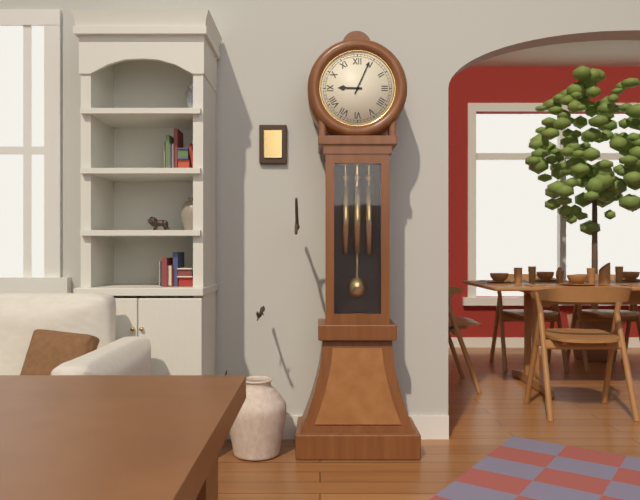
9:04
